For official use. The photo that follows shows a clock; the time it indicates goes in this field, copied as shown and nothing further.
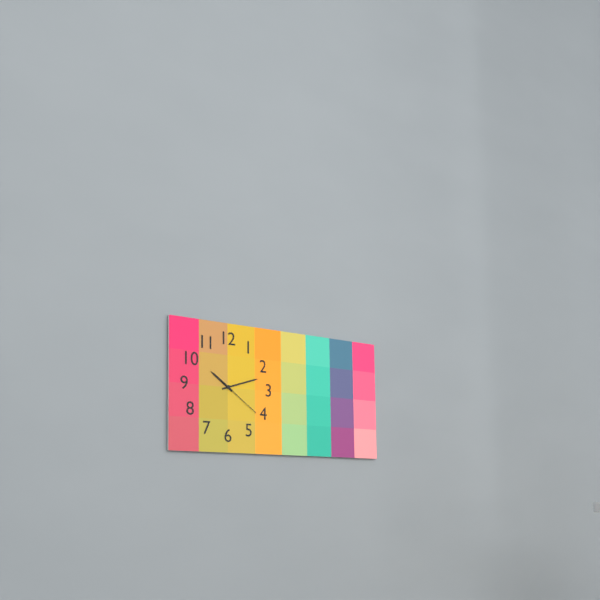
10:12
